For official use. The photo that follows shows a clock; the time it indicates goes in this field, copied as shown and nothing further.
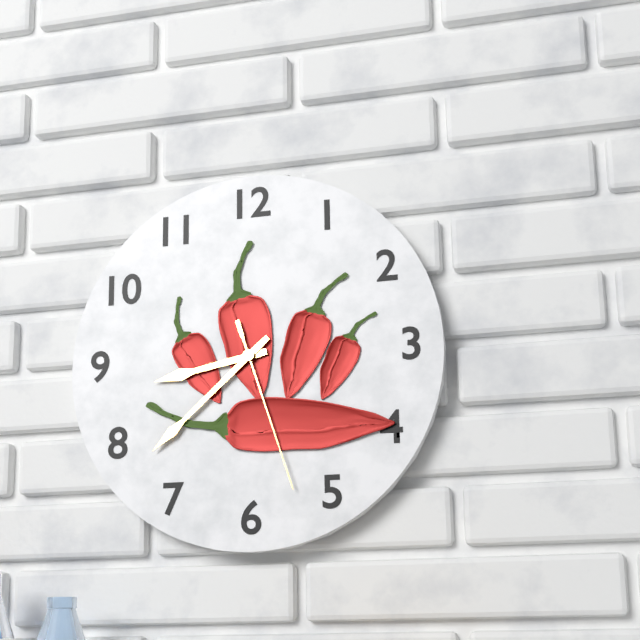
8:38:27
